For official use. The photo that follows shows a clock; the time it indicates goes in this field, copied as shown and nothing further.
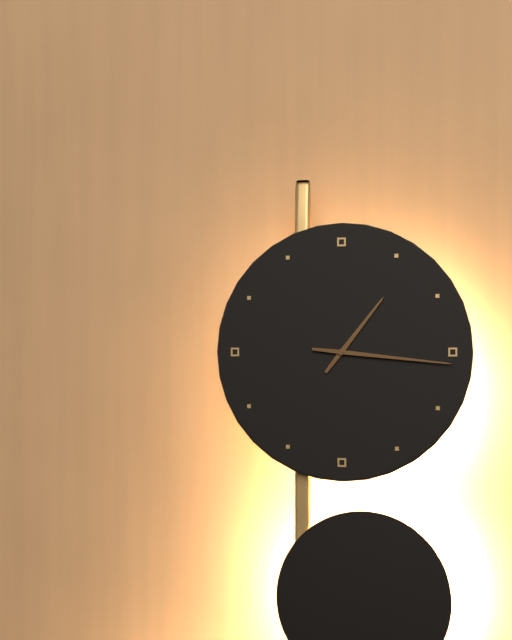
1:16
